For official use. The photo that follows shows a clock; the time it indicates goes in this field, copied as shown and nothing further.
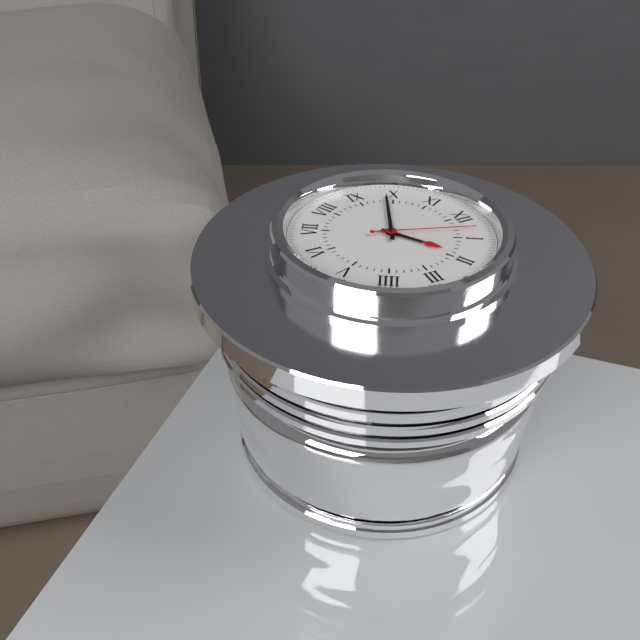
1:49:03
